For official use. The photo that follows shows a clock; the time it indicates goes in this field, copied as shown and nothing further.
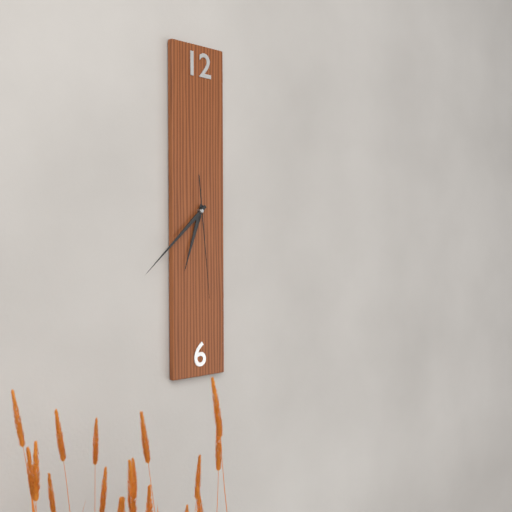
6:38:29
